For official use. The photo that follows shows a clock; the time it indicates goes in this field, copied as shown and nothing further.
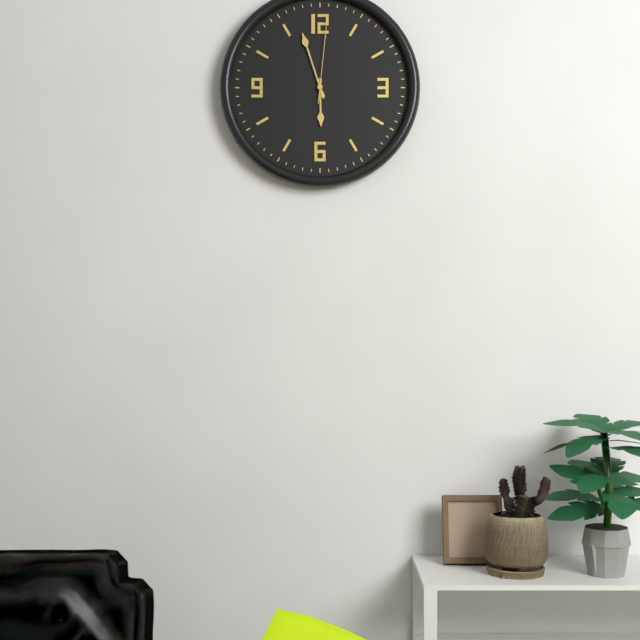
5:57:01
